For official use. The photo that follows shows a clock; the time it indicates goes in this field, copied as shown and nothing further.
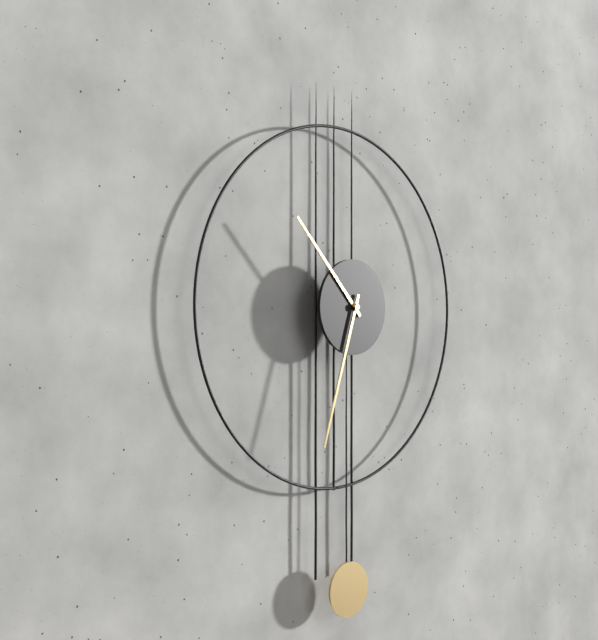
10:33
